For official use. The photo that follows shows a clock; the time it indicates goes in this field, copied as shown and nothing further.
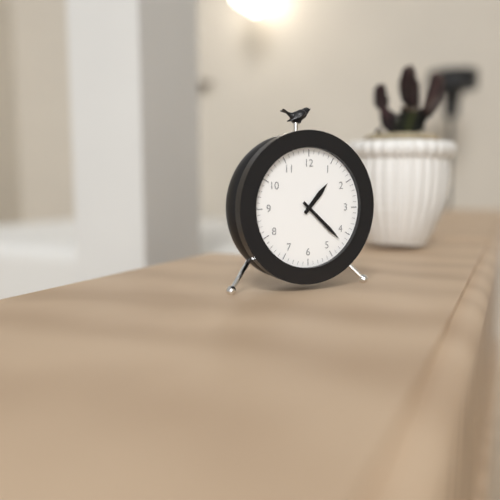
1:22
